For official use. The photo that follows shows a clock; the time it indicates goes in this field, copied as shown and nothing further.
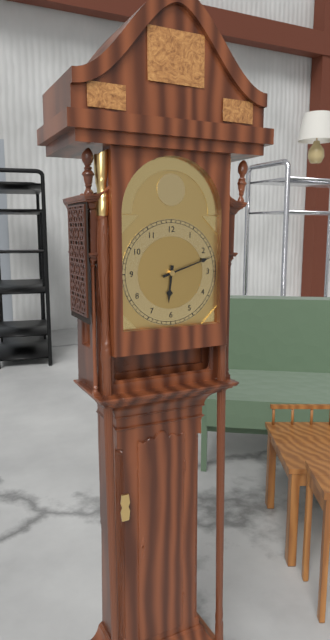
6:12
